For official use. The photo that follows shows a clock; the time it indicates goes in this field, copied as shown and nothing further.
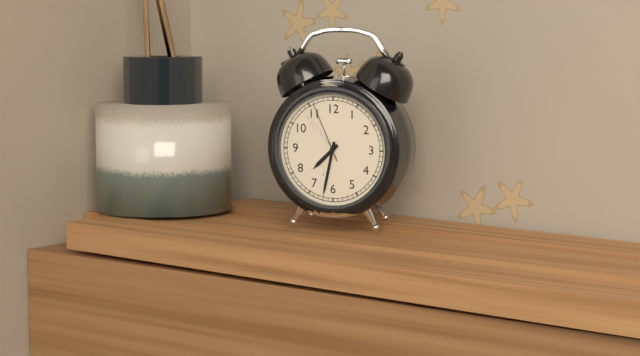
7:32:56
